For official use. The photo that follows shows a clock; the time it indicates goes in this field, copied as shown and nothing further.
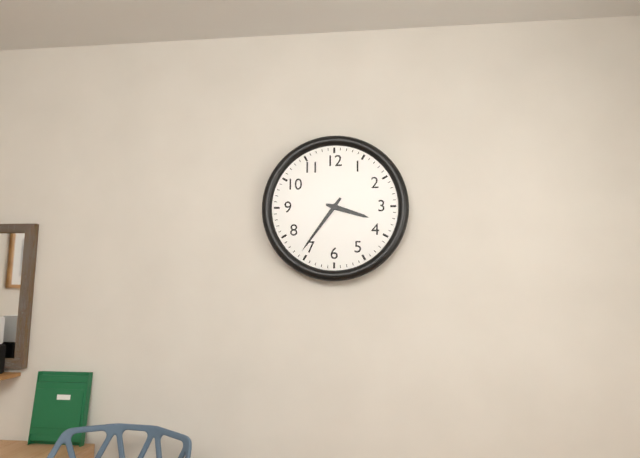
3:36
